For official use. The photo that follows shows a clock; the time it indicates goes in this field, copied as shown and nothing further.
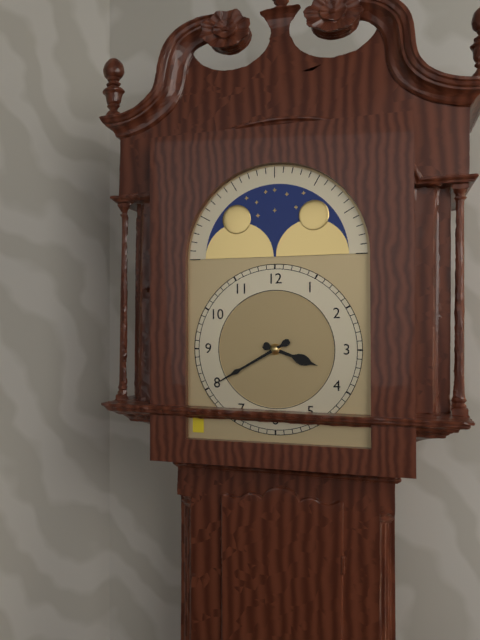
3:40
